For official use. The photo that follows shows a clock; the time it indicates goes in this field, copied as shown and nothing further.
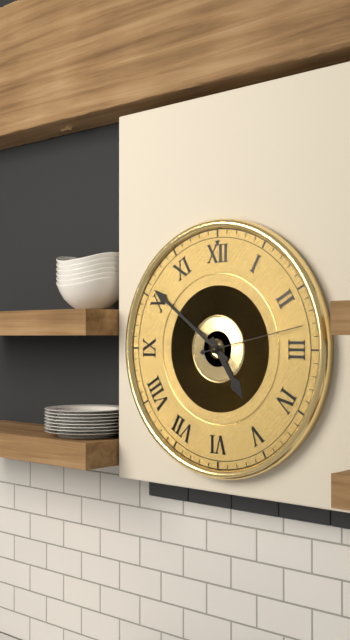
4:51:13
